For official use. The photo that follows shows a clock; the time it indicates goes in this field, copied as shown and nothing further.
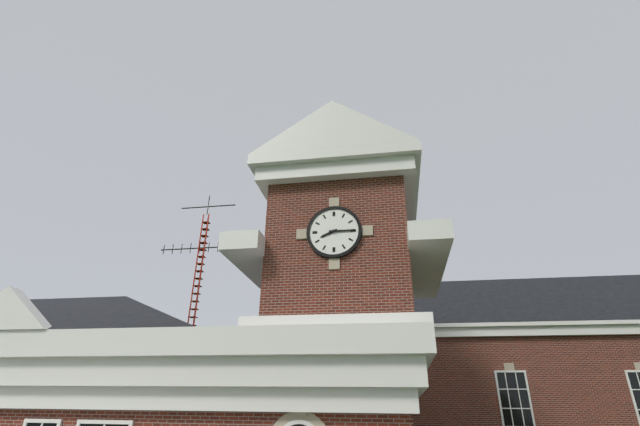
8:15
